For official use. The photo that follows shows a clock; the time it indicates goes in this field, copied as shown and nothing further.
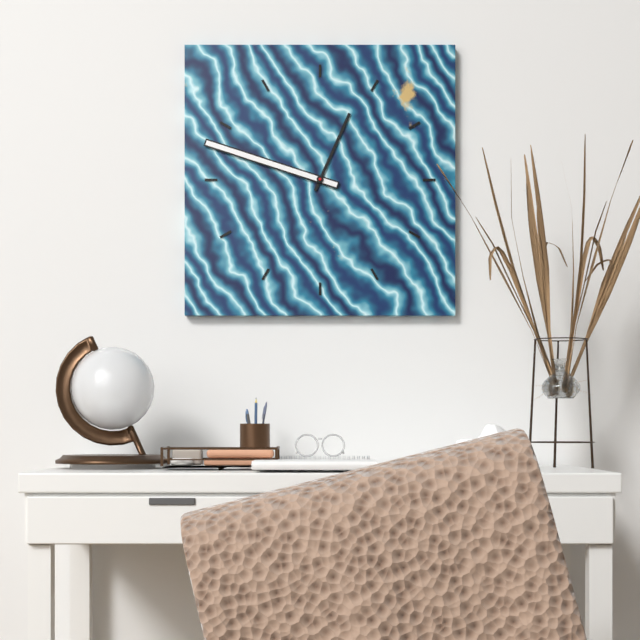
12:48
